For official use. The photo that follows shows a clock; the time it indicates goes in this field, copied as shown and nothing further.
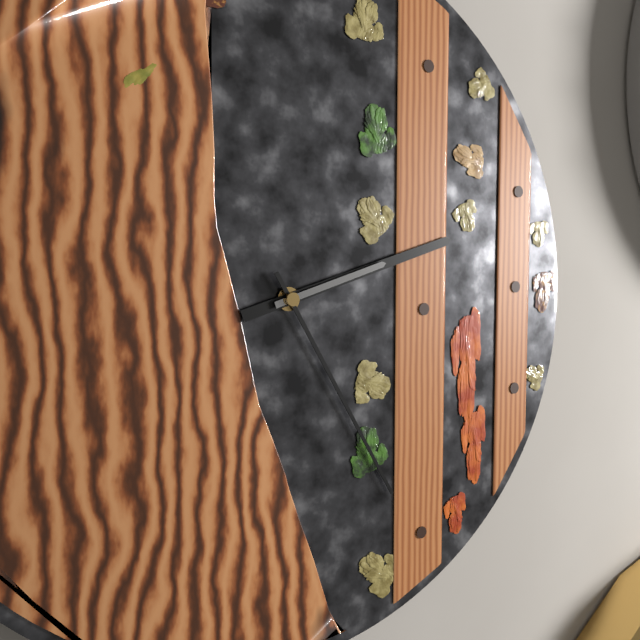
2:25:12
